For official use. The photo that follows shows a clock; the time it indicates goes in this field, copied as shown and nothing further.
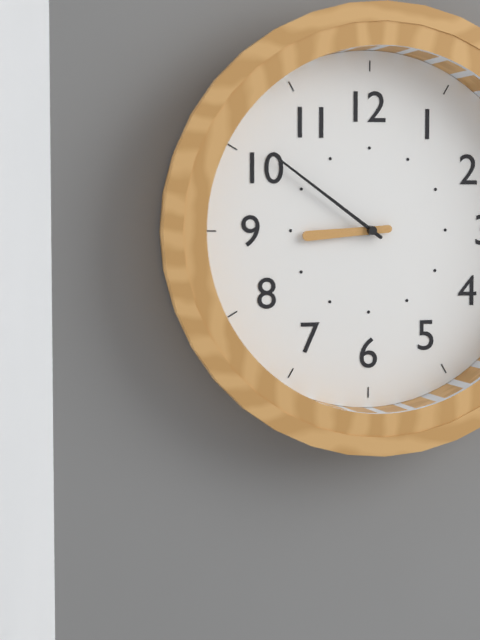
8:51
